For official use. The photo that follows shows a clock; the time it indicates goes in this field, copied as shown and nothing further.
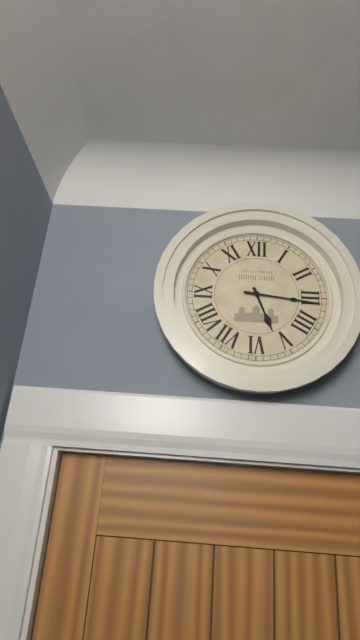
5:16
